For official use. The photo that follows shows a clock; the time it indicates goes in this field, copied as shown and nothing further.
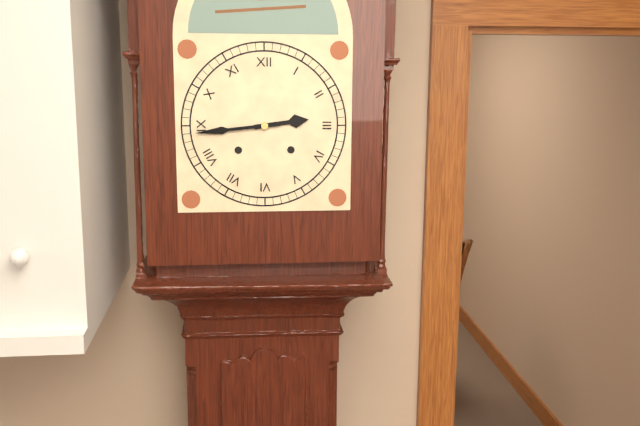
2:44
